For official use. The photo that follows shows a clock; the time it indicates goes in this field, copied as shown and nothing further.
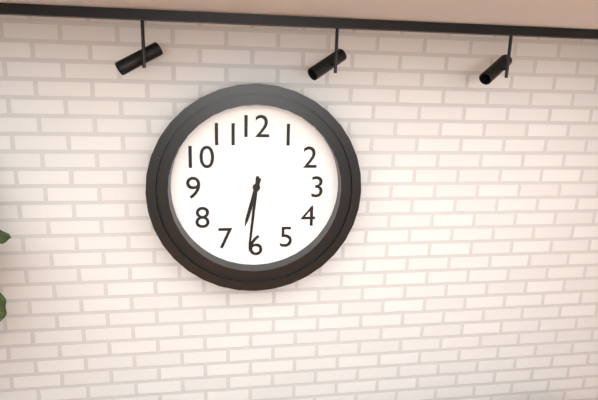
6:31
